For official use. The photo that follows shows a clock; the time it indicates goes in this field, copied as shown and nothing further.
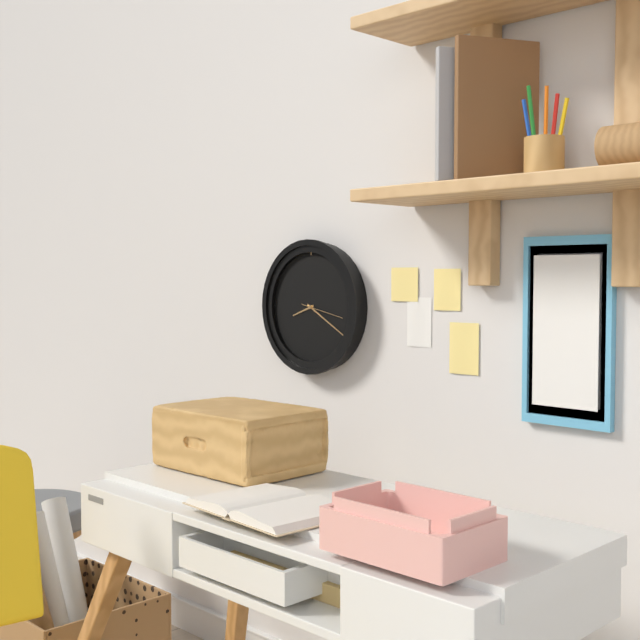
8:20
